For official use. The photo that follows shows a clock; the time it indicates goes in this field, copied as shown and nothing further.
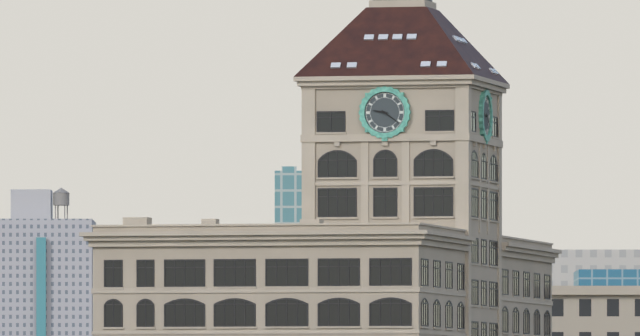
9:21
